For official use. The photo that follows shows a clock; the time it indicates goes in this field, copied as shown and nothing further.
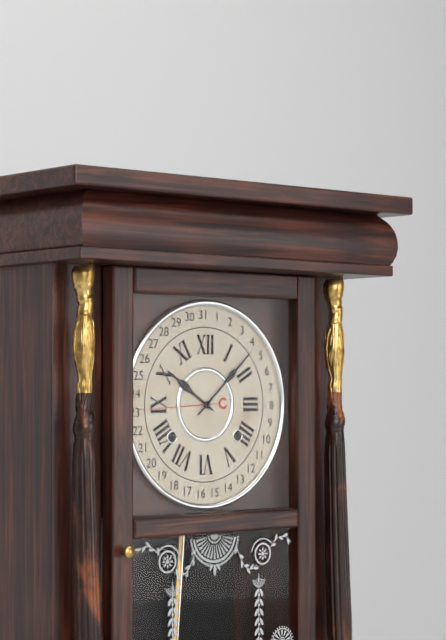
10:08
